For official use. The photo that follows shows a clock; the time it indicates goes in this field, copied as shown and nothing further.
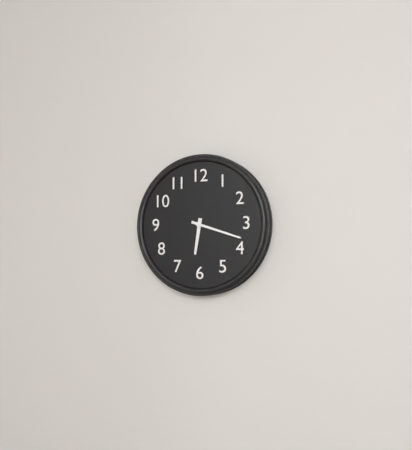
6:18
